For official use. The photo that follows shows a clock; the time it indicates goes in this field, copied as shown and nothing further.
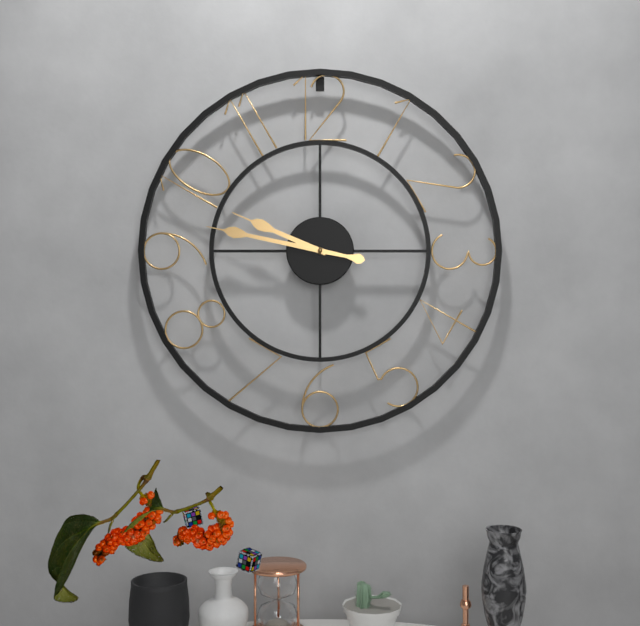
9:47
